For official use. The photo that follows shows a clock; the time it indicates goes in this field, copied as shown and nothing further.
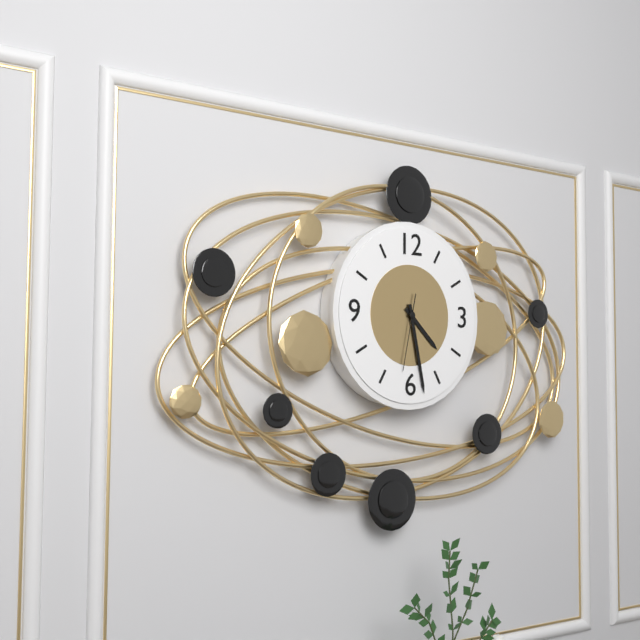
4:28:32
